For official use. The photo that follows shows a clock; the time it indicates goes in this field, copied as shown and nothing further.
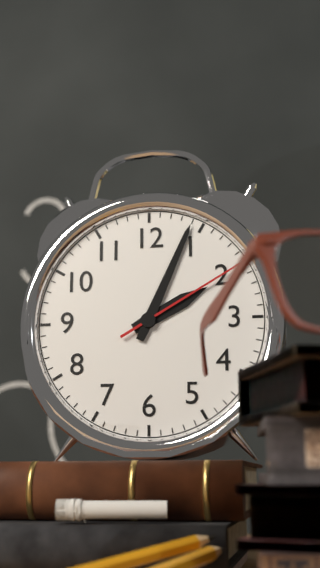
2:04:10
